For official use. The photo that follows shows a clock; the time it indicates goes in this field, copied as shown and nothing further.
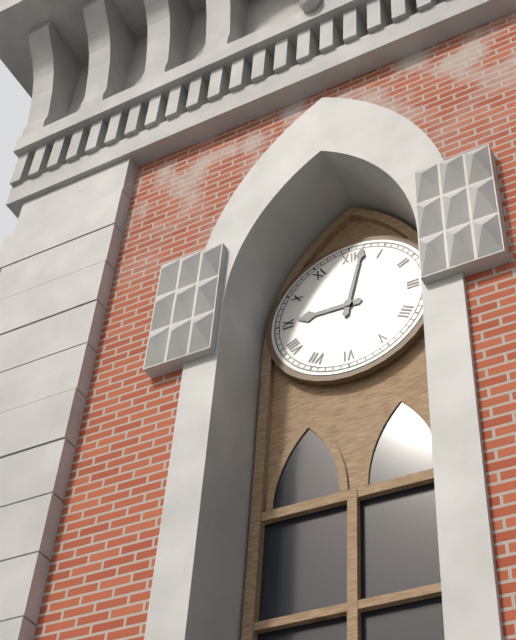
9:02
